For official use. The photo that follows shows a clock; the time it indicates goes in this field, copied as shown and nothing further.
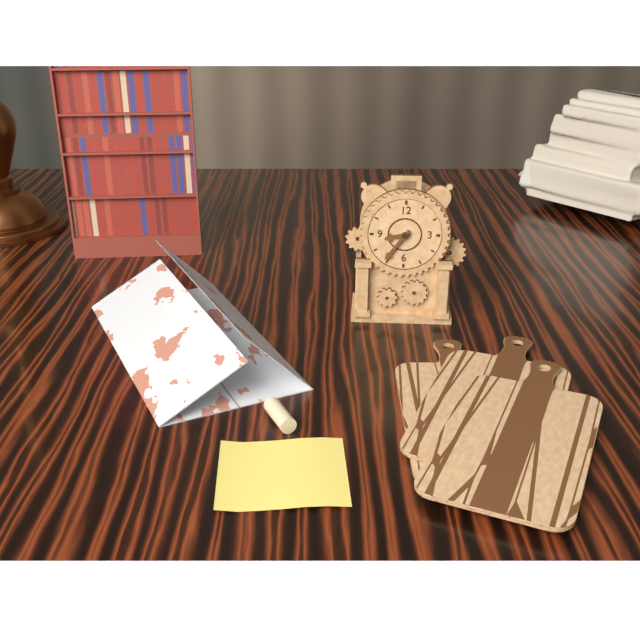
8:36
